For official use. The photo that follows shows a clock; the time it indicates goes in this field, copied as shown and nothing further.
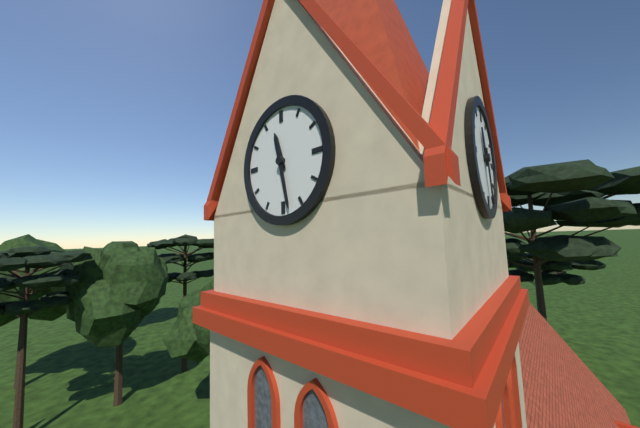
11:28
